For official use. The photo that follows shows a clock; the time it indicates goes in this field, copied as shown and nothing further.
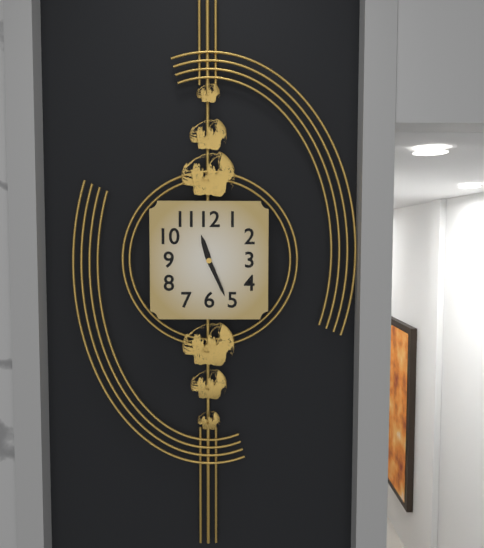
11:26
